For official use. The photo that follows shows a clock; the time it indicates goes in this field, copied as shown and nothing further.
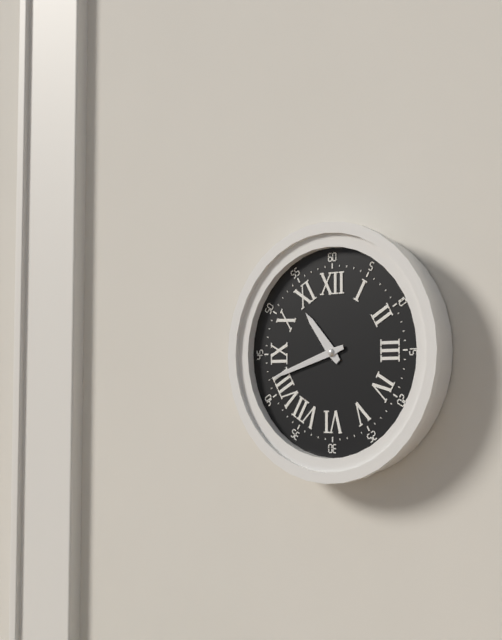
10:42
